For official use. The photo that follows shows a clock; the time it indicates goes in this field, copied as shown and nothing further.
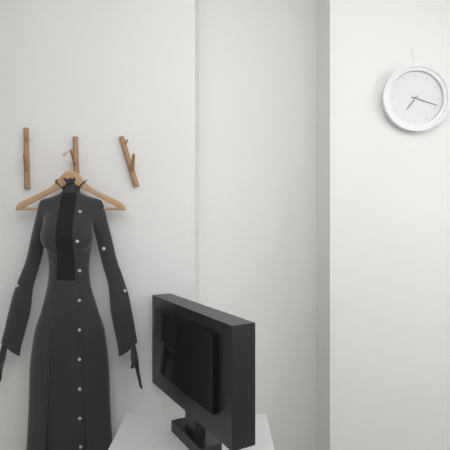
7:18
